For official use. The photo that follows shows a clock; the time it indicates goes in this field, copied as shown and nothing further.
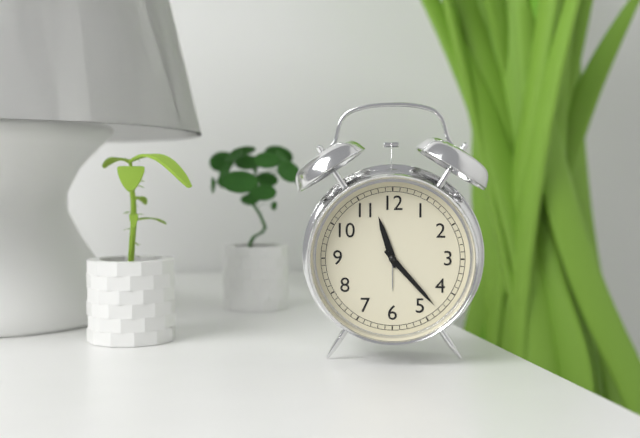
11:23
